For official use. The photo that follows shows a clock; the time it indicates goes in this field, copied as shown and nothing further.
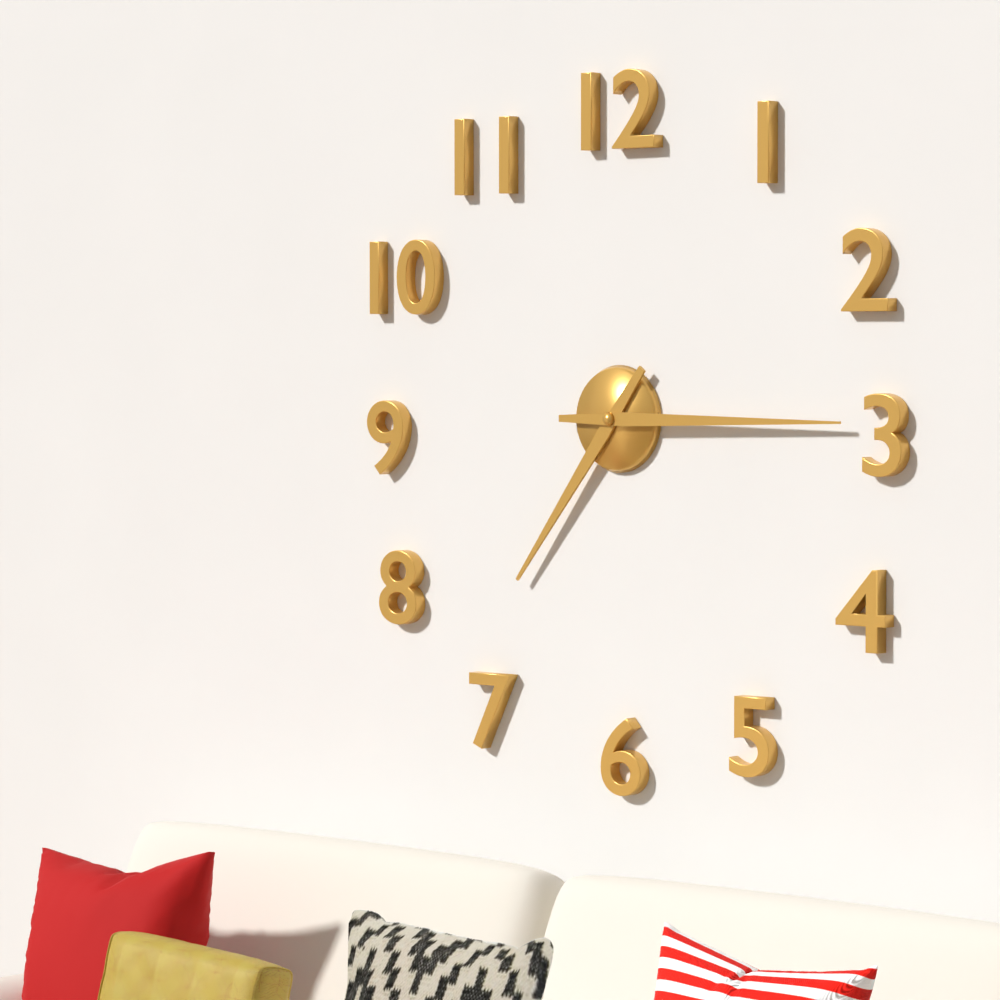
7:15
